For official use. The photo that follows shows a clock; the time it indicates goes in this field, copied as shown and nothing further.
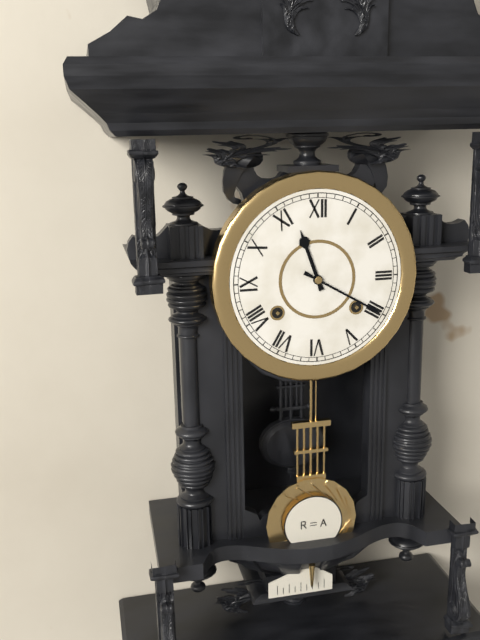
11:20
